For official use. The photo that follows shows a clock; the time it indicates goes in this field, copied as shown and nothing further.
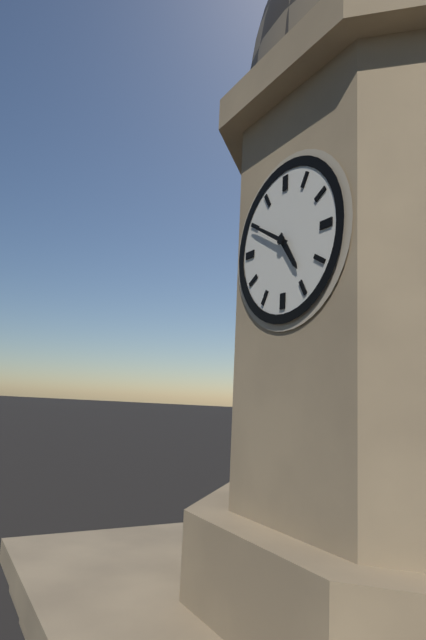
4:50
